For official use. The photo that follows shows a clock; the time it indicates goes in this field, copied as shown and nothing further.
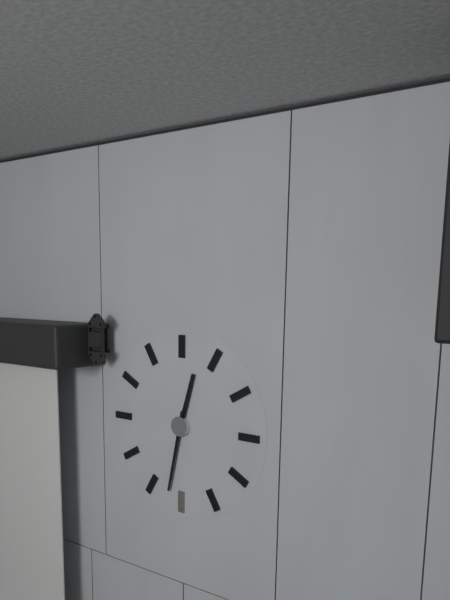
12:32
